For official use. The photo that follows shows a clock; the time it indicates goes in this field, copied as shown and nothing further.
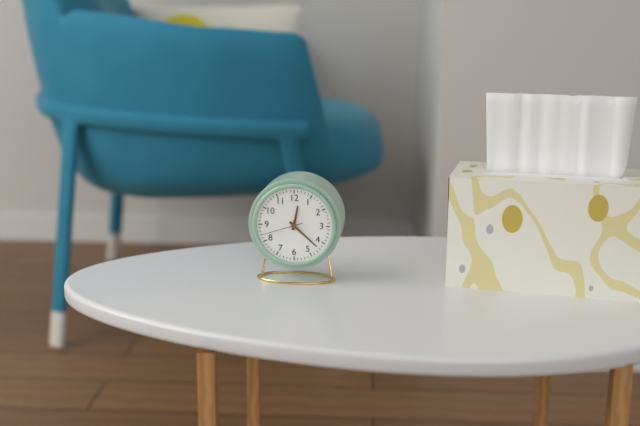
12:22
